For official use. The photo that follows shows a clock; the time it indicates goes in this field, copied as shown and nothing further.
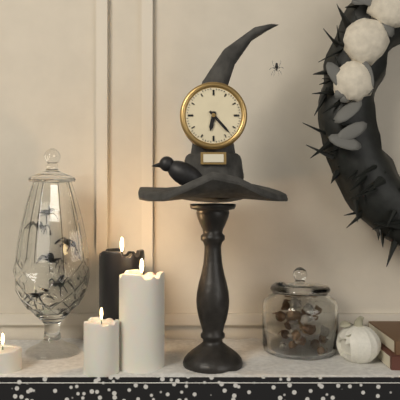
6:23
